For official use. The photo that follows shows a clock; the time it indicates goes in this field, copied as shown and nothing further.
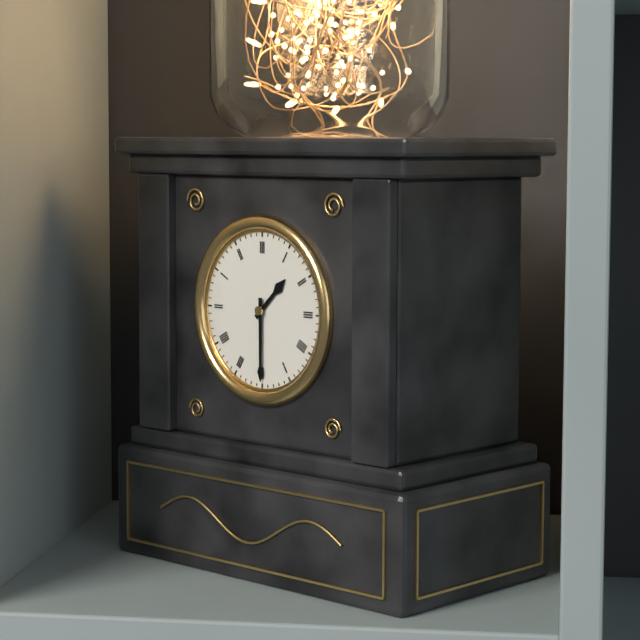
1:30
